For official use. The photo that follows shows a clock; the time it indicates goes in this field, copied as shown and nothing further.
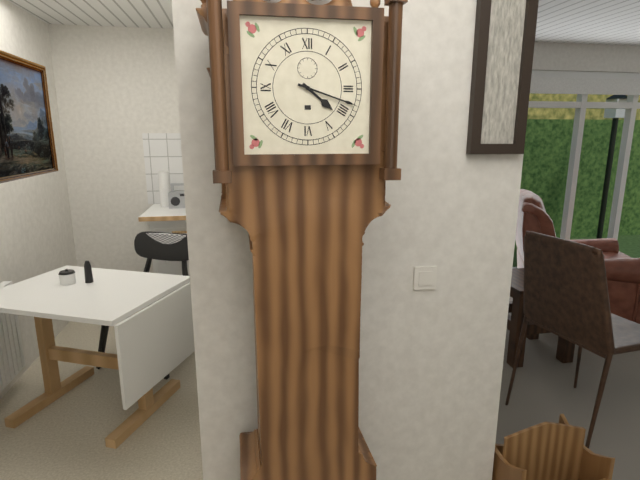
4:18
